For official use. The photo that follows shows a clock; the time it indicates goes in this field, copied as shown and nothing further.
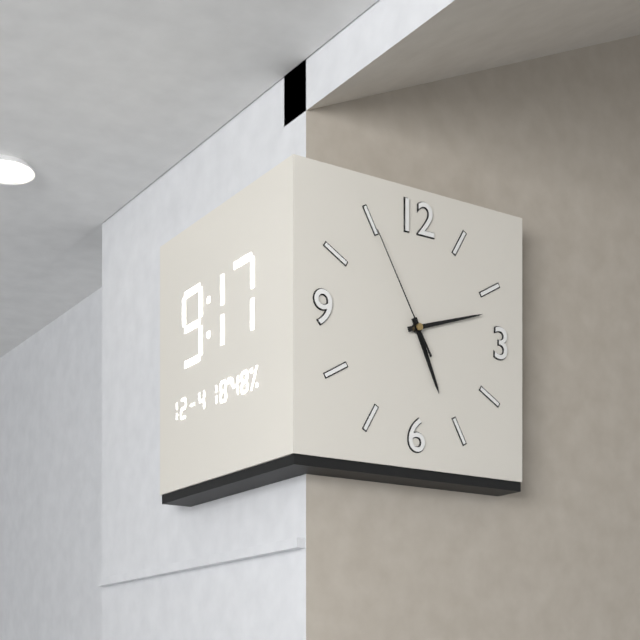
5:12:55
